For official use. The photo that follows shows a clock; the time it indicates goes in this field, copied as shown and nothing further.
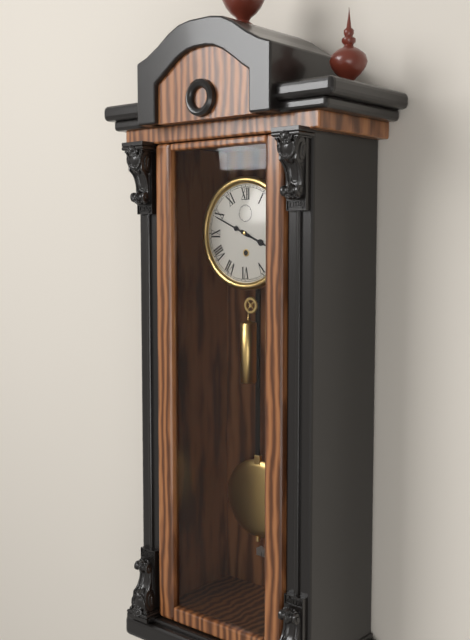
3:49
